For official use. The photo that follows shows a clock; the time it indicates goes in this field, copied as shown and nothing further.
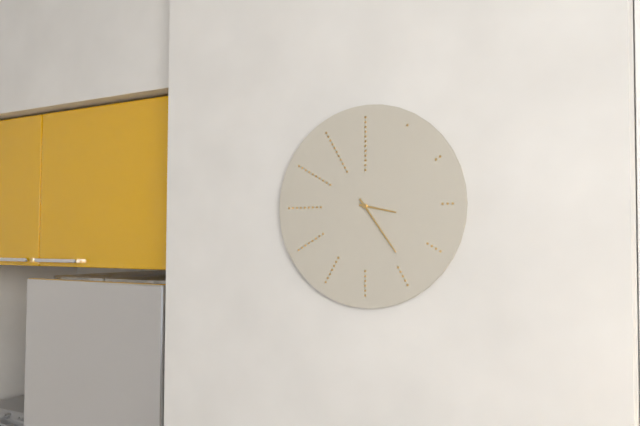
3:24
